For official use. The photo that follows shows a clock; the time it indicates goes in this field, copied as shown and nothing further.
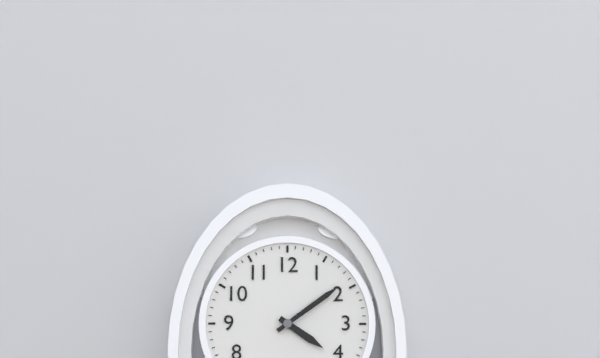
4:09
